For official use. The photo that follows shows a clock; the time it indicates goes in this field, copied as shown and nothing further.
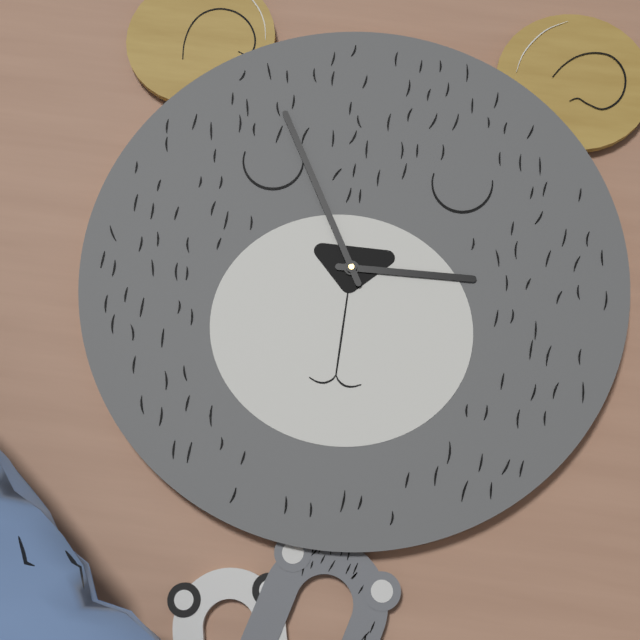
2:55
